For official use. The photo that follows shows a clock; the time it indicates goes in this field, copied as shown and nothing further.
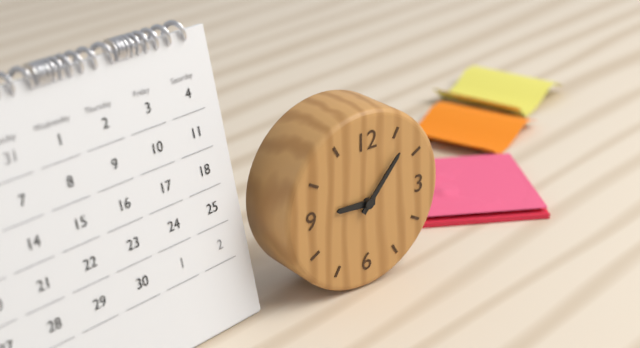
9:07
